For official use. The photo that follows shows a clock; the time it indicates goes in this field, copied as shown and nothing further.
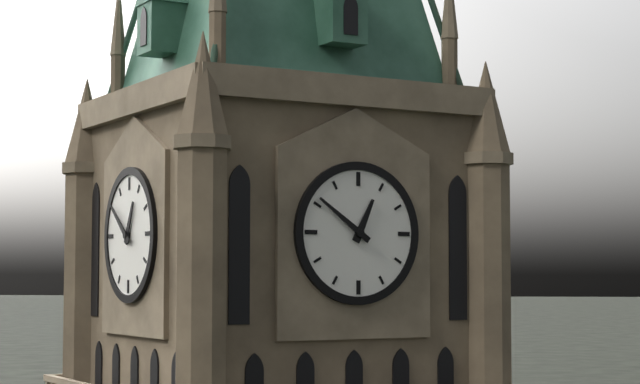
12:51
